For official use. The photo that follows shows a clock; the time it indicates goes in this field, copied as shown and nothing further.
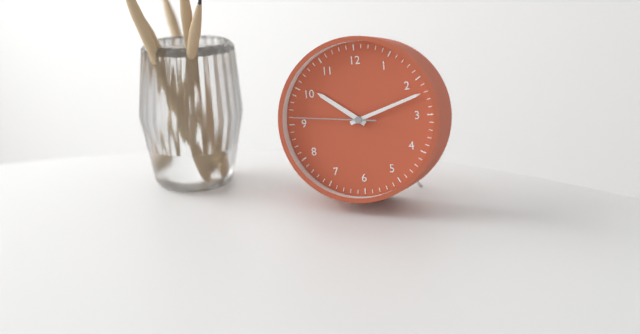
10:12:46
